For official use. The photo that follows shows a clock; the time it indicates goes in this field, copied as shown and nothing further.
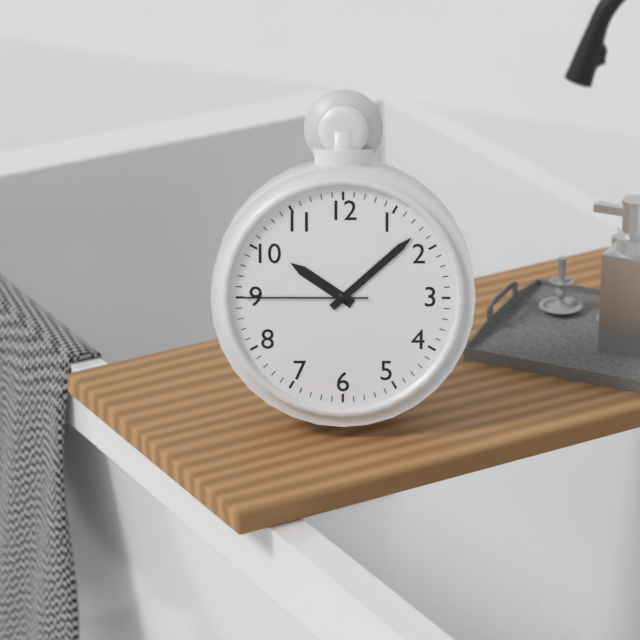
10:08:45
